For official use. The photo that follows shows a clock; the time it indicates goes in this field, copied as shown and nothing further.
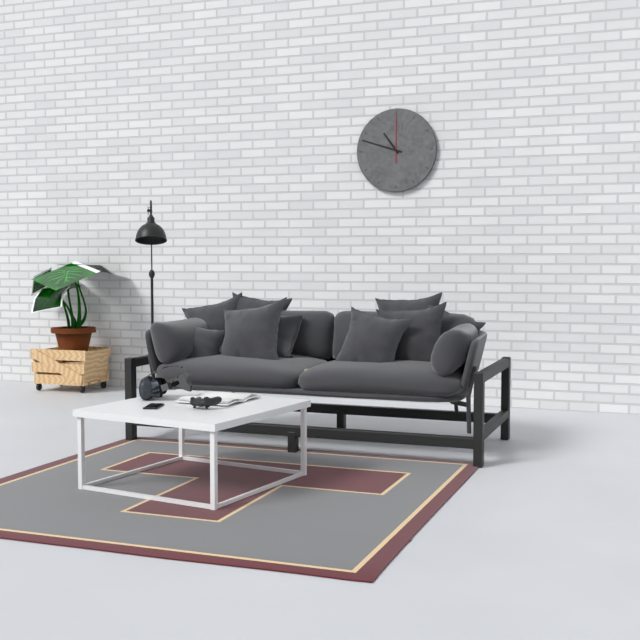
10:48
